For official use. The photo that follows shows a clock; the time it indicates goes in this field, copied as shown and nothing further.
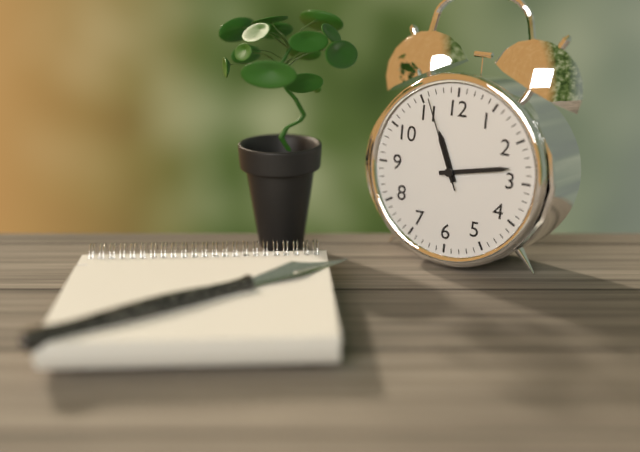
11:13:56
